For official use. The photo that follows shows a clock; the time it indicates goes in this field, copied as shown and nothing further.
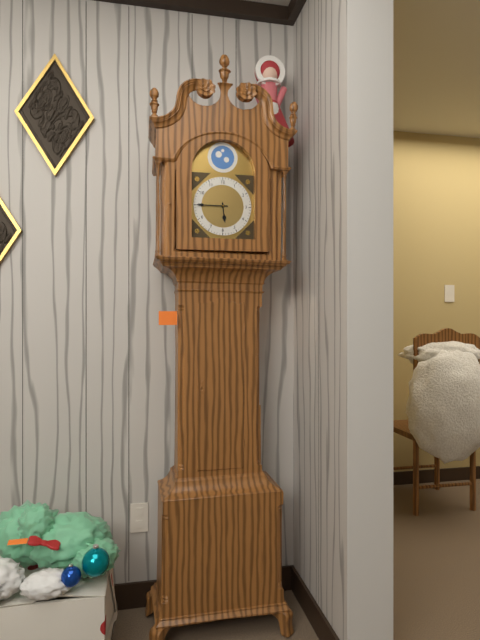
5:45
